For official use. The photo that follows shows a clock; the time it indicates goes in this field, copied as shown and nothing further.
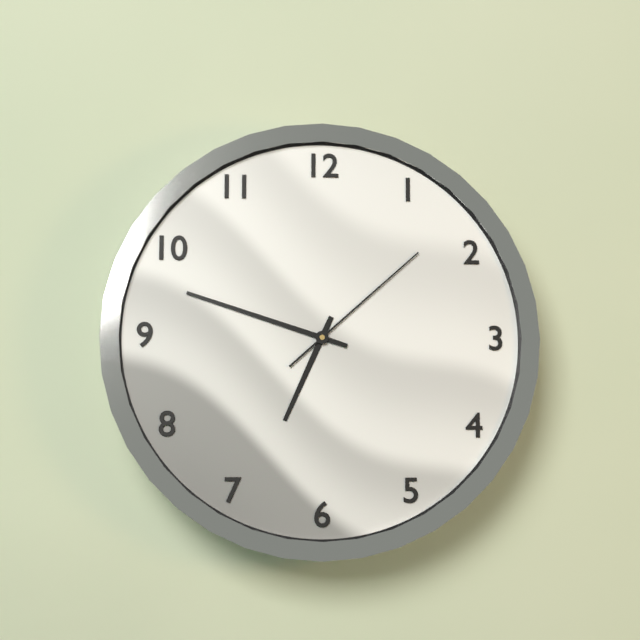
6:48:08
